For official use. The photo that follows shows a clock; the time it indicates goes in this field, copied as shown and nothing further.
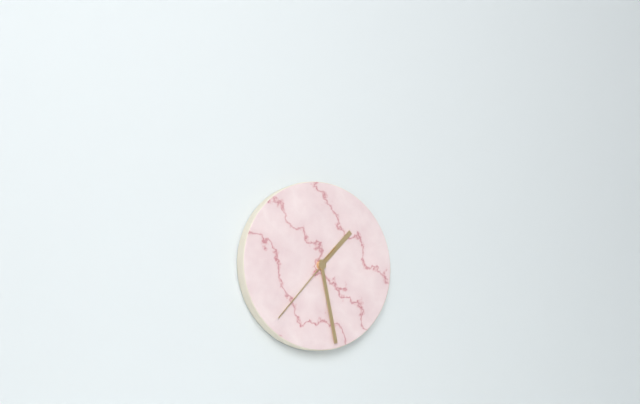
1:28:37
